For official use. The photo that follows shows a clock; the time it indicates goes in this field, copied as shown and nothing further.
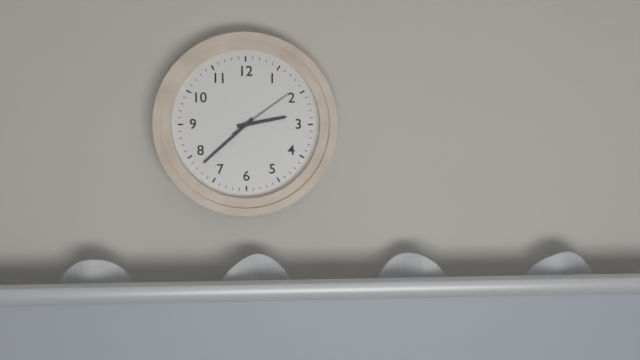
2:38:09
